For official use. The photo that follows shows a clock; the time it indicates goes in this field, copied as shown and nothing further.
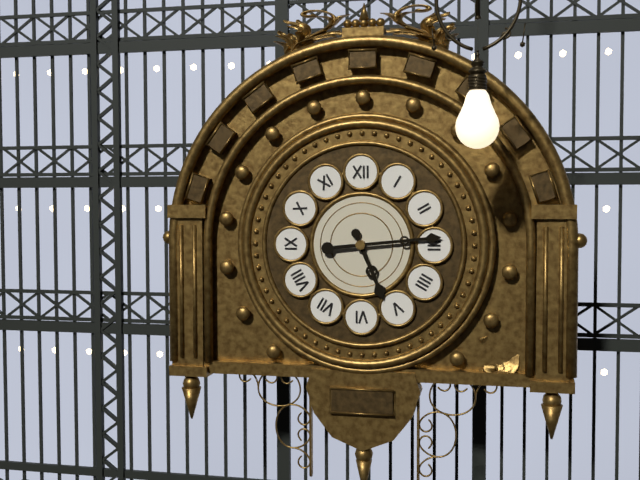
5:14
